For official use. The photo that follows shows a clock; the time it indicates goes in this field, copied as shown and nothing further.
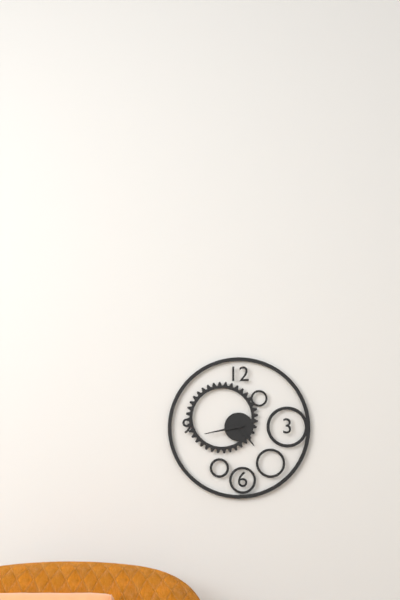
4:43
